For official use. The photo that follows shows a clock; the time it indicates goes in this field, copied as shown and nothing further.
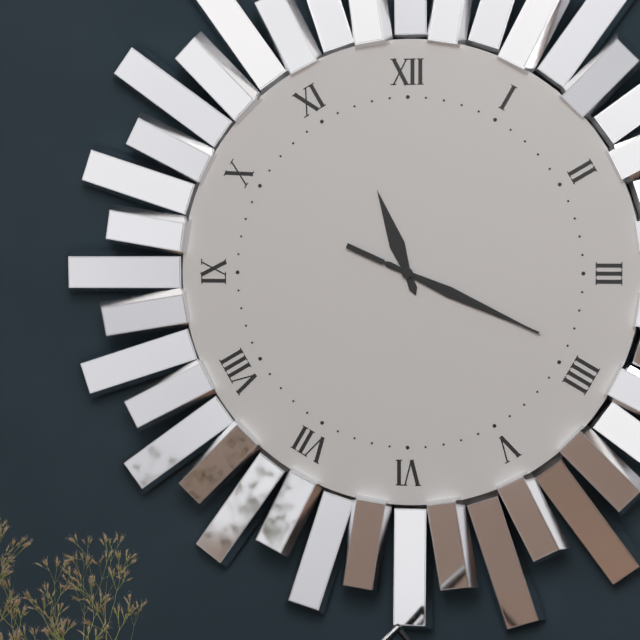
11:19:19
